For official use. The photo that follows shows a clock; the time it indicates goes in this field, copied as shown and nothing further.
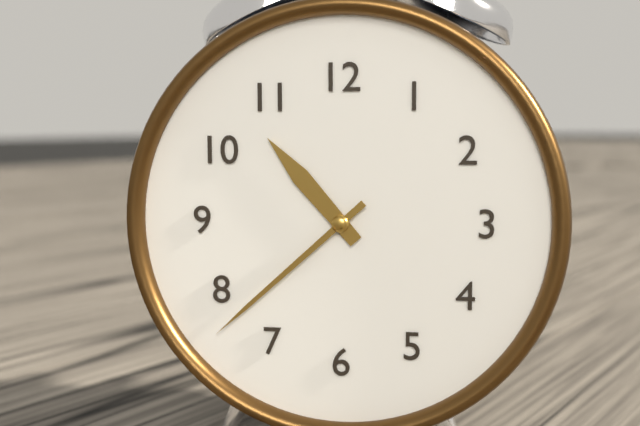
10:38
